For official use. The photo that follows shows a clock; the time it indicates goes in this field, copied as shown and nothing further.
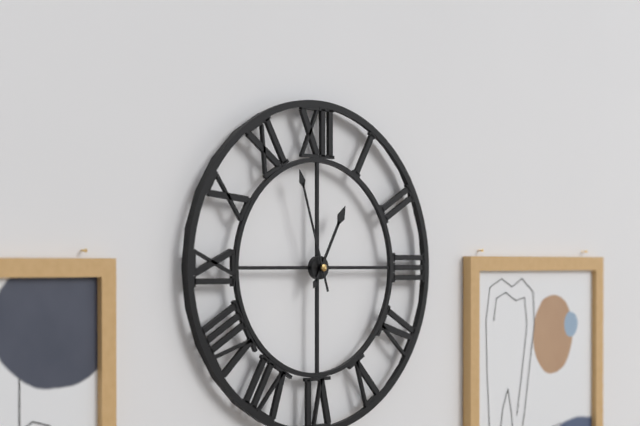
12:57
